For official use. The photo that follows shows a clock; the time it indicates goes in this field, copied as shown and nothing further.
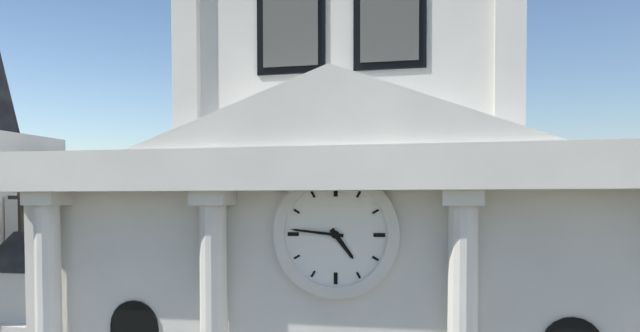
4:46
